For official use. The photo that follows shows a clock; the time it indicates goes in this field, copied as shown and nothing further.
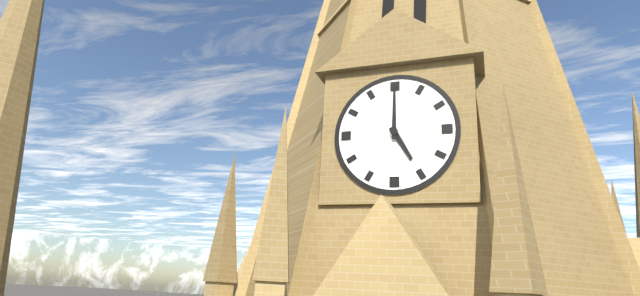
5:00
